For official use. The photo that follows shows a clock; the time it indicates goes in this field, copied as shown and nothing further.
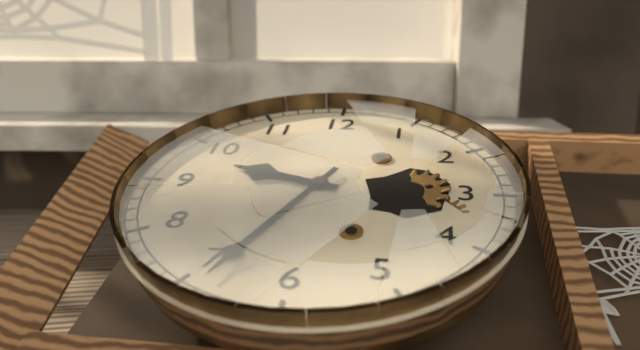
9:34
